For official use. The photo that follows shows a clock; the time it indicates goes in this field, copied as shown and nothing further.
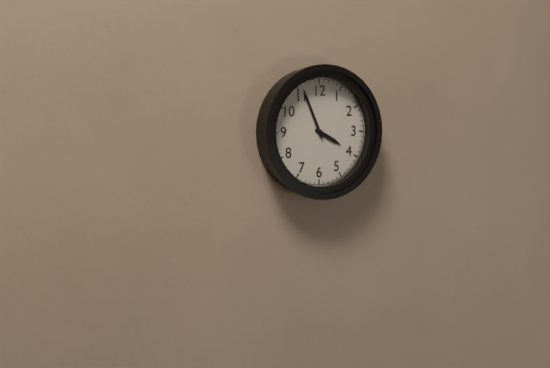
3:56
